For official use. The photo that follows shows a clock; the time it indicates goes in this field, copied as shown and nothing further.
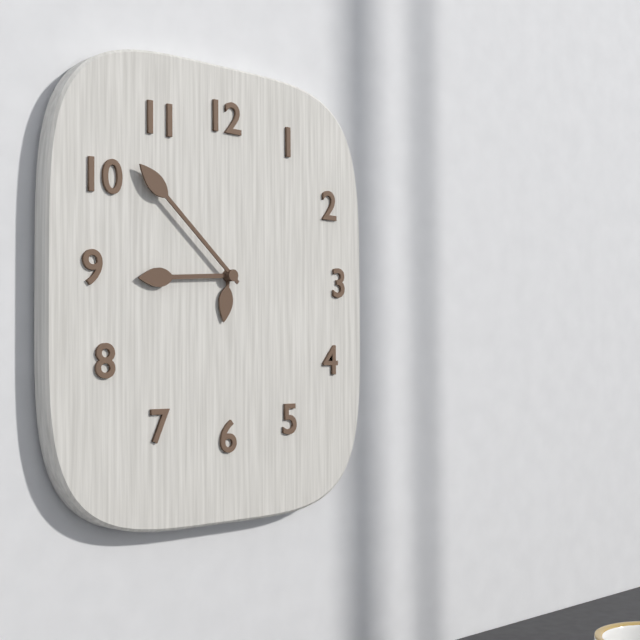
8:52
